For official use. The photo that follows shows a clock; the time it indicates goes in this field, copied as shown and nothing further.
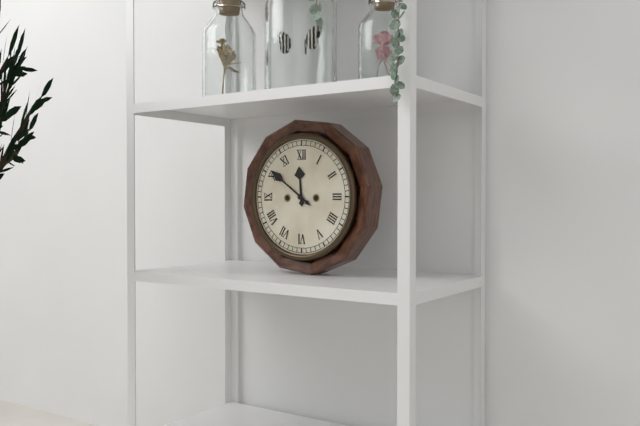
11:51
